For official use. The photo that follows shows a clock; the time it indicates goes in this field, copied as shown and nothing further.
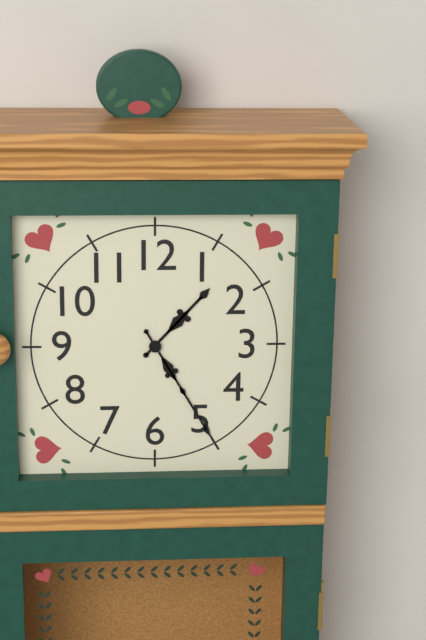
1:25
